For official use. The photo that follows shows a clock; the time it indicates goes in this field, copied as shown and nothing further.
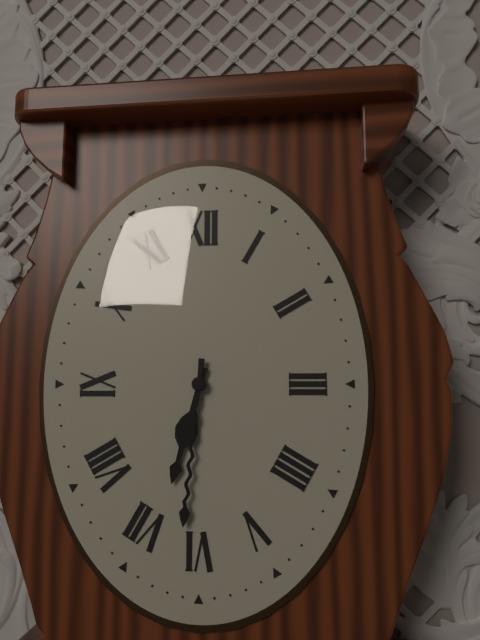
6:31
